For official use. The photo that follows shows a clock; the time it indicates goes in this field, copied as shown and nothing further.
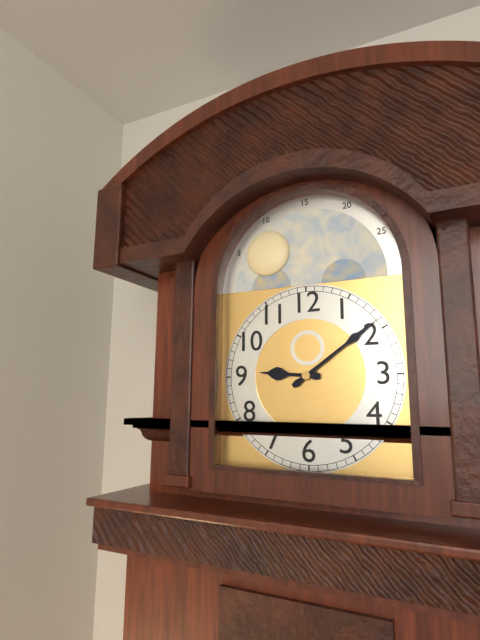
9:09
